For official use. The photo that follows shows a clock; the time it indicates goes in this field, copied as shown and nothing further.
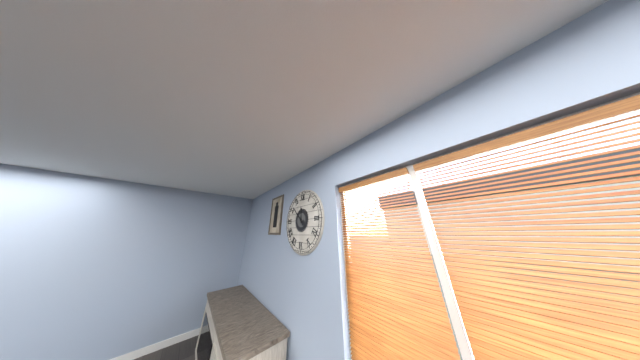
11:52
